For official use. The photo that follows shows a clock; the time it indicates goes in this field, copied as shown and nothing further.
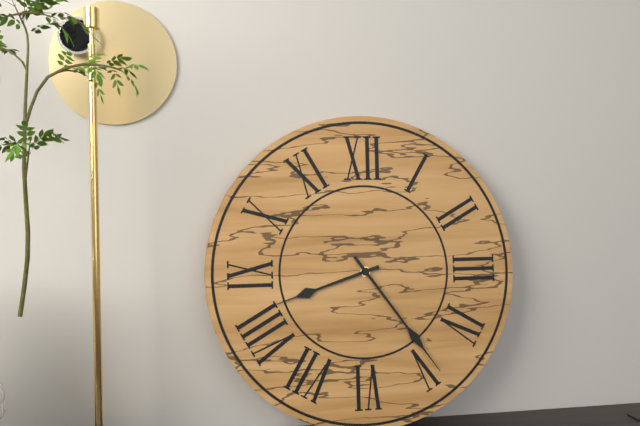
8:24
